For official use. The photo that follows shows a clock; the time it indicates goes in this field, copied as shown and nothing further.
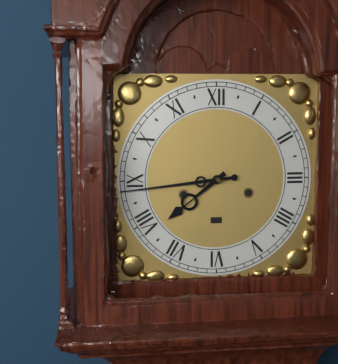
7:44
